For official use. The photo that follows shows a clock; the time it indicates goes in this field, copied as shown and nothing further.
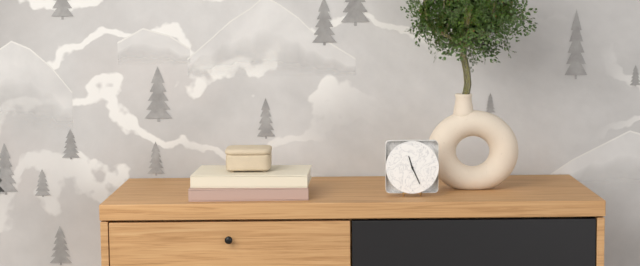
11:26
